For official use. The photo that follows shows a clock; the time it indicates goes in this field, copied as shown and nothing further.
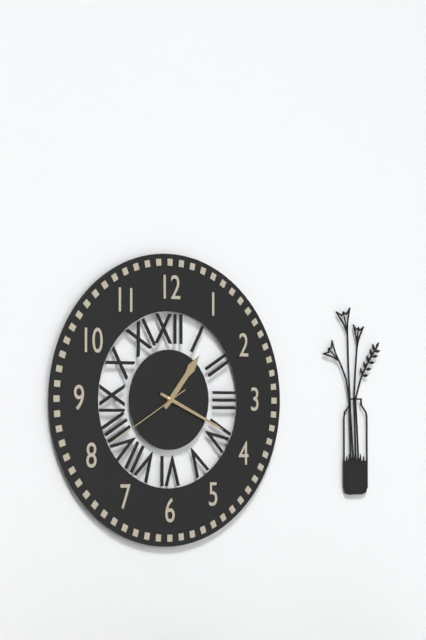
1:19:40
